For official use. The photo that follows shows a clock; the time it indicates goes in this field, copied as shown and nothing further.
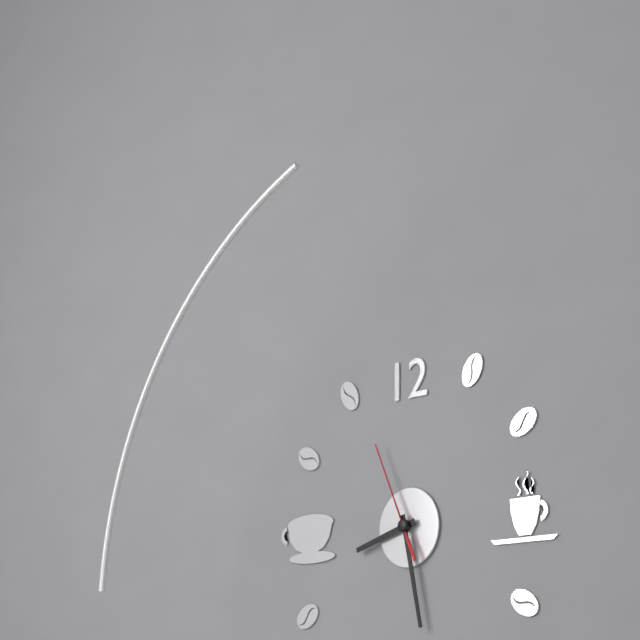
8:28:56
